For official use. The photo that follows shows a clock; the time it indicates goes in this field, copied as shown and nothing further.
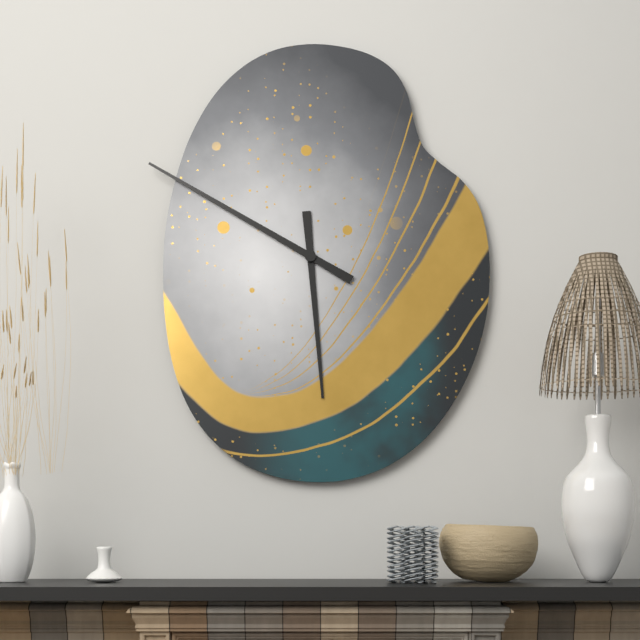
5:50
